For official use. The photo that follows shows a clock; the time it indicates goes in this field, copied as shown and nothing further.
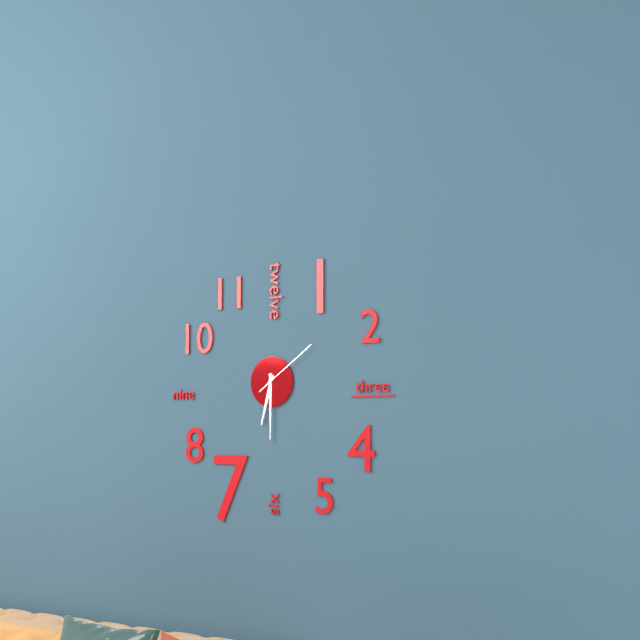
6:30:09
